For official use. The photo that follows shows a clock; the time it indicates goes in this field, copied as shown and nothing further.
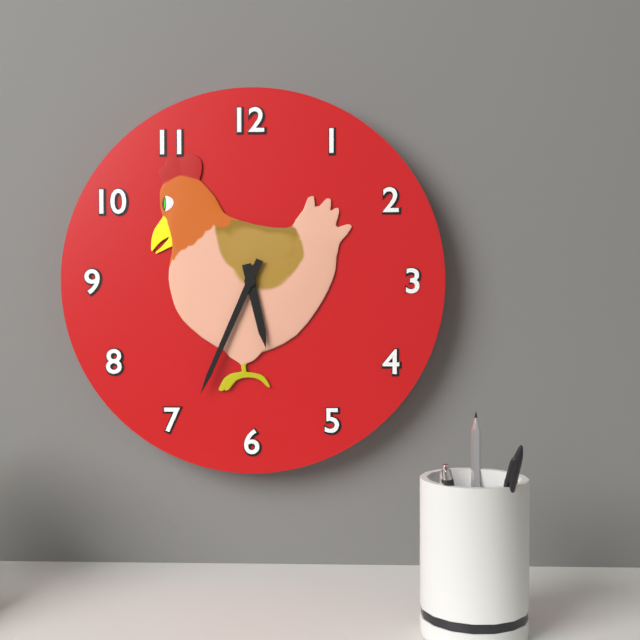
5:34
